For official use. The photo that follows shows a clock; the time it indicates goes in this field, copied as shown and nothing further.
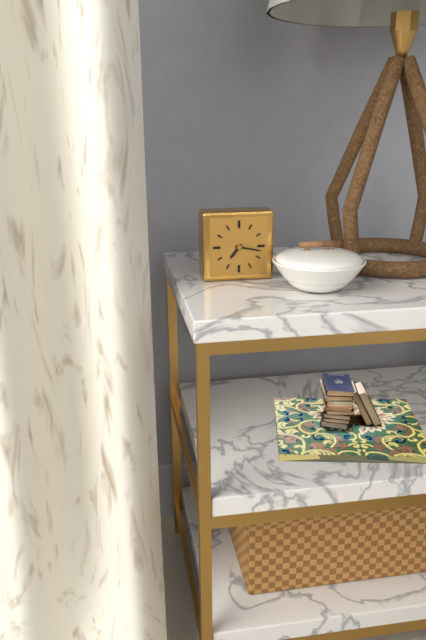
7:17
